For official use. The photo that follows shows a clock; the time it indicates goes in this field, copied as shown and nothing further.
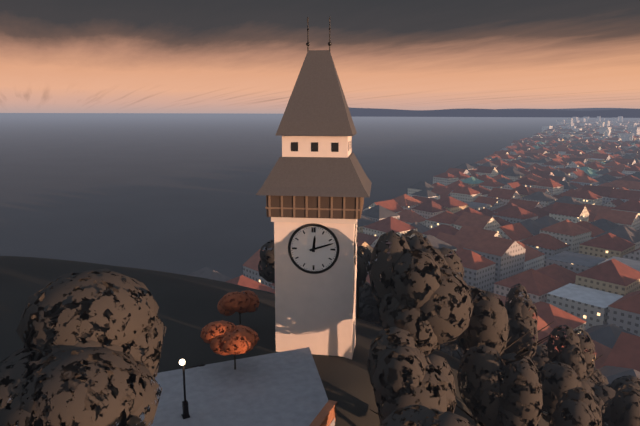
12:12
